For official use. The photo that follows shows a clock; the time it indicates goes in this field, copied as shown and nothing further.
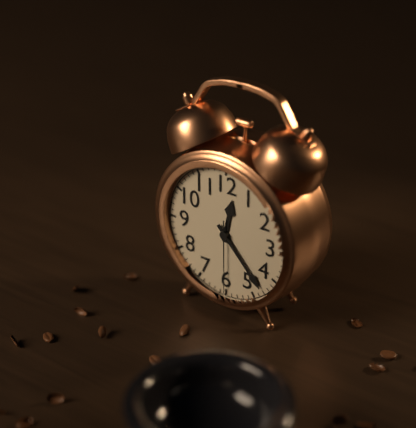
12:23:30
